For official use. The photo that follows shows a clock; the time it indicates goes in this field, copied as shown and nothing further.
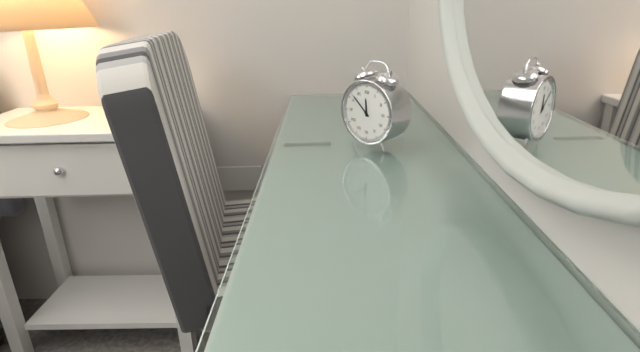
11:52
